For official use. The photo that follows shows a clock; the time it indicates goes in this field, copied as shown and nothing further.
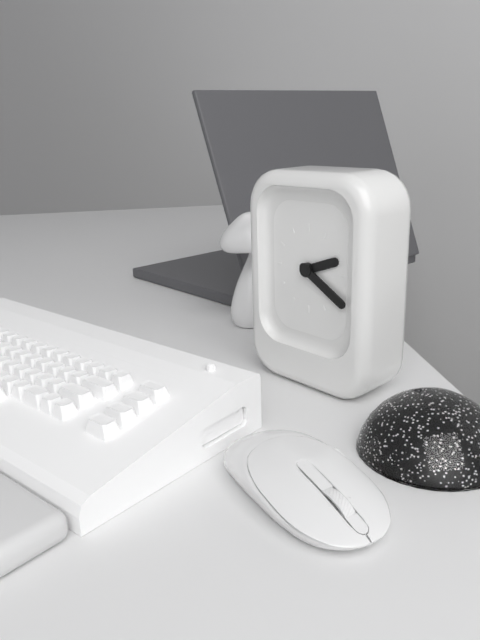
2:20
